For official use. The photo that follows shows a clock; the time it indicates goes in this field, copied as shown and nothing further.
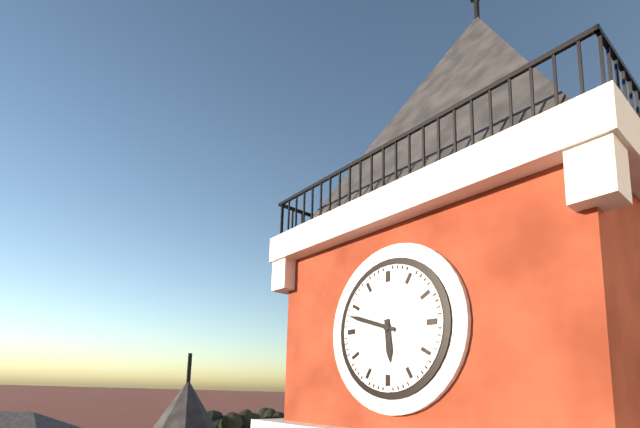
5:48
